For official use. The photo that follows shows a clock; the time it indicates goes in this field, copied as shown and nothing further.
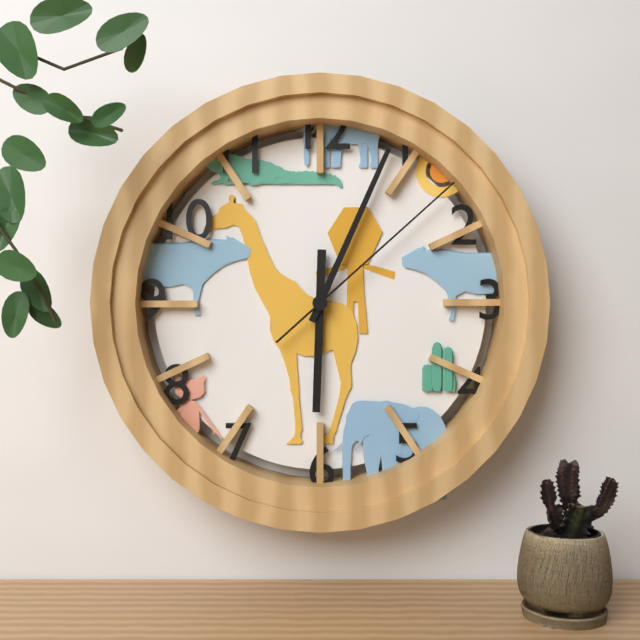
6:04:08
